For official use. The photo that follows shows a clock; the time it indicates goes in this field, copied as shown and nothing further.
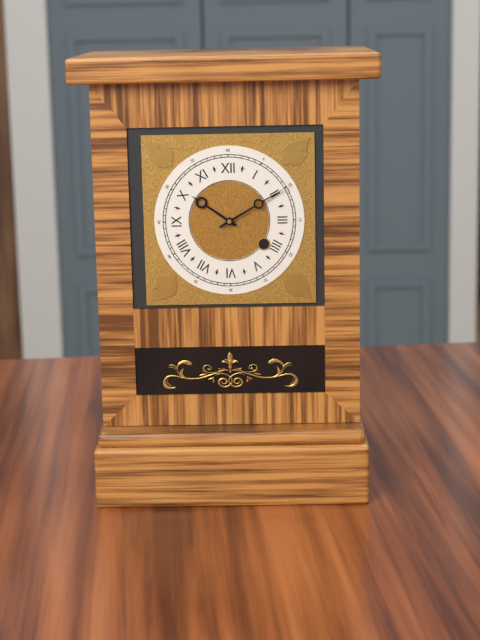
10:10
